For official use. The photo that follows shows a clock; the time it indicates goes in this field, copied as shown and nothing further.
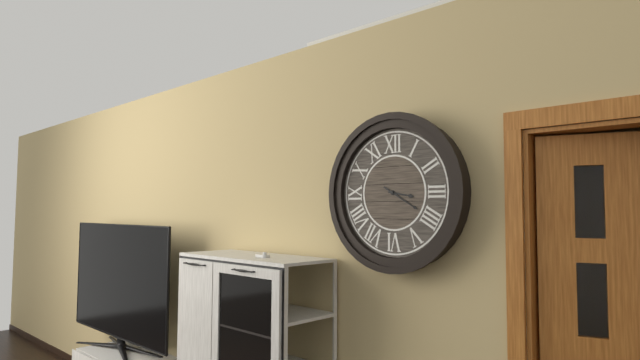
3:20
